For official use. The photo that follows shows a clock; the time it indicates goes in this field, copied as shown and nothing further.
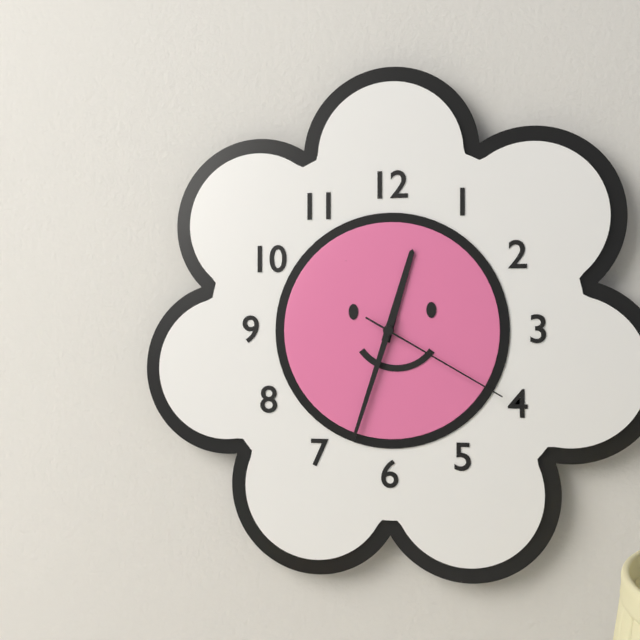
12:33:20
